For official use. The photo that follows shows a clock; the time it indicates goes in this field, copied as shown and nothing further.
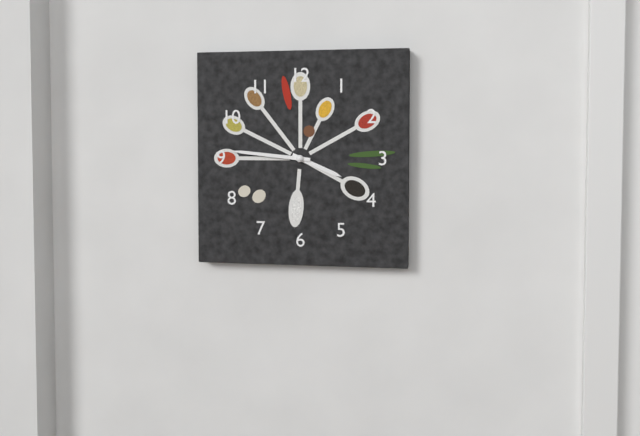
3:46
